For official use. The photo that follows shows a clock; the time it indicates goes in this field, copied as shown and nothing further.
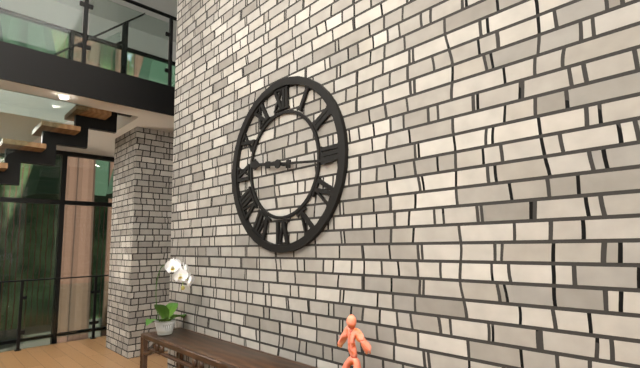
9:16
